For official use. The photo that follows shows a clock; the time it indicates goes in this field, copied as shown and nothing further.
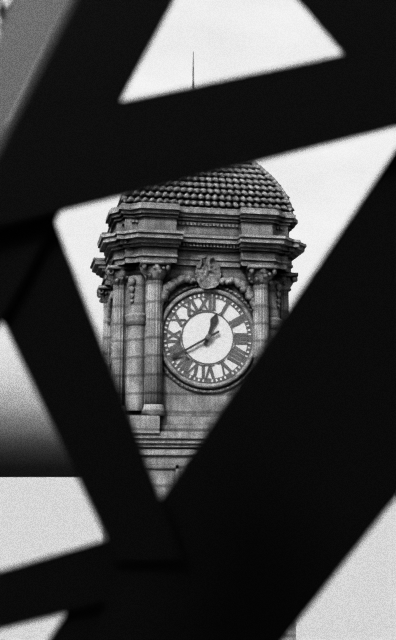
12:40
